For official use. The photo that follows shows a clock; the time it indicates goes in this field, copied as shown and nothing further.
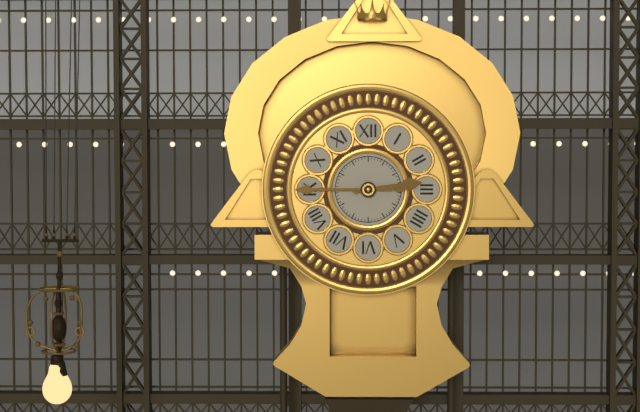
2:45
